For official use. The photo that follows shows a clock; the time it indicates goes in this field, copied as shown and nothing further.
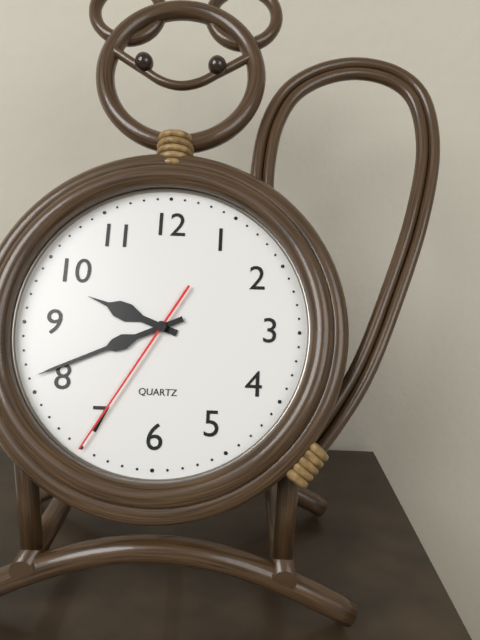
9:41:35
